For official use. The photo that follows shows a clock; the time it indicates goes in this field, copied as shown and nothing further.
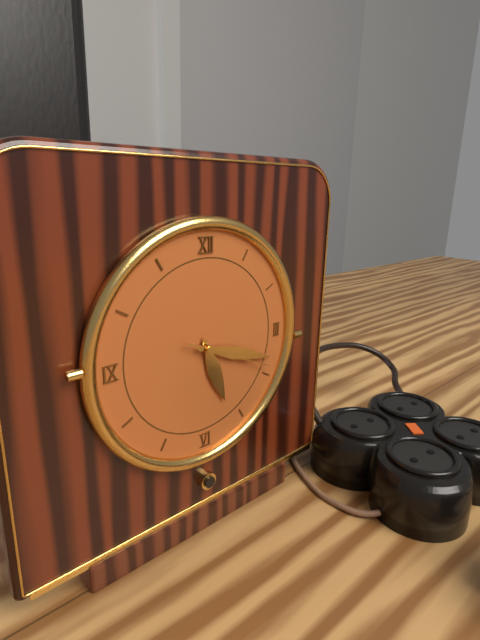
5:18:19
